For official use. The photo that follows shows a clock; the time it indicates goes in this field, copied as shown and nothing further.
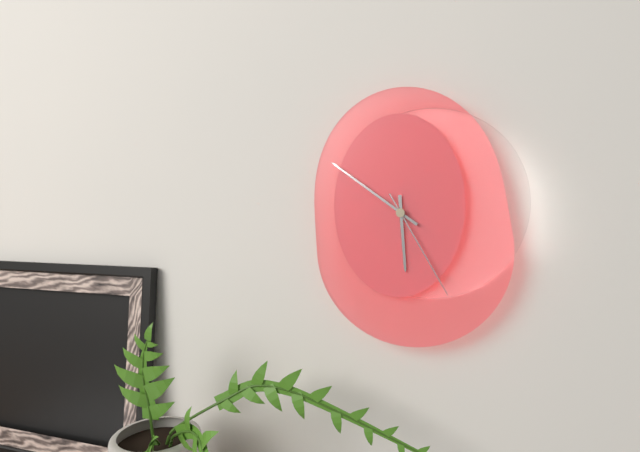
5:51:25
